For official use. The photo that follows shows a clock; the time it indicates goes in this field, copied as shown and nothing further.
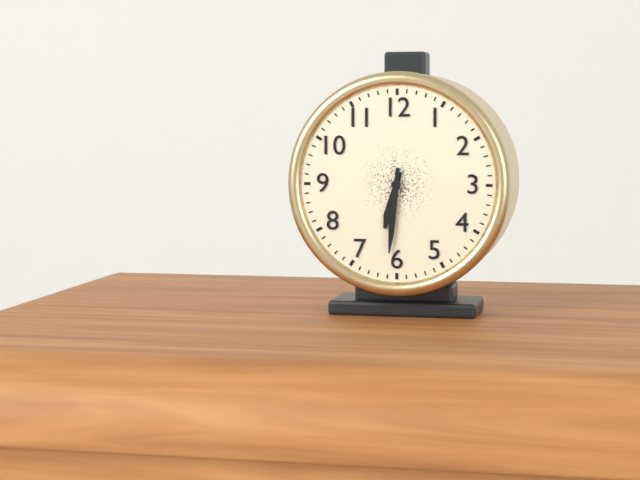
6:31
